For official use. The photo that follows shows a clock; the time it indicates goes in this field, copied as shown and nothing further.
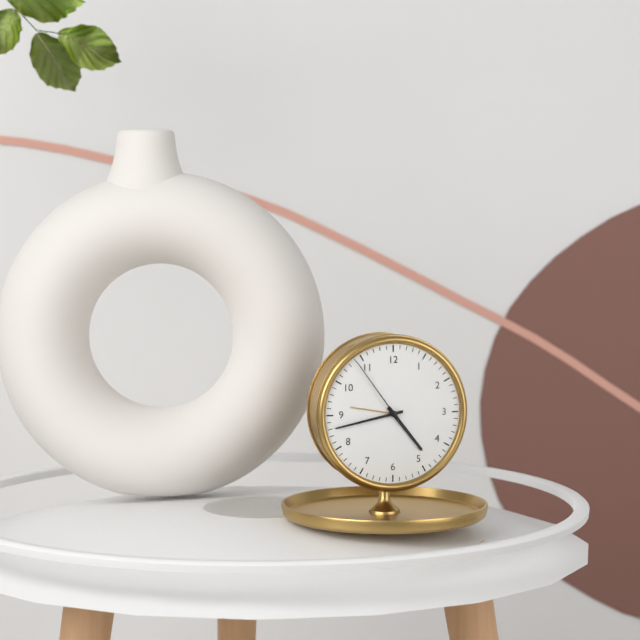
4:43:54
